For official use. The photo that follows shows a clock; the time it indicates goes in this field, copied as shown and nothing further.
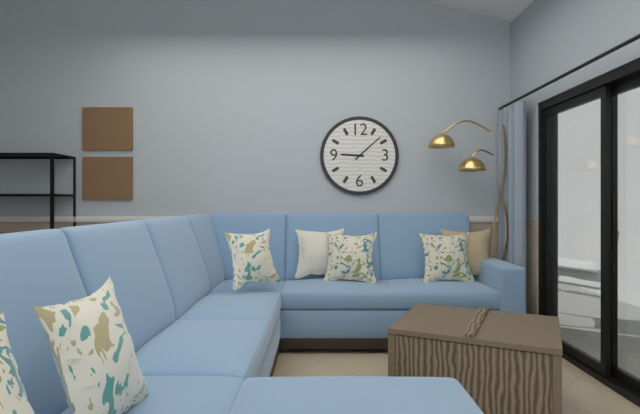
9:08
